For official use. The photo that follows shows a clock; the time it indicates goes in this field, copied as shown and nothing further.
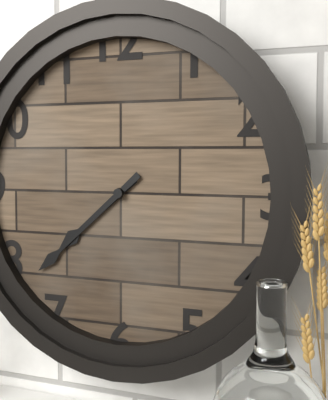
7:38
